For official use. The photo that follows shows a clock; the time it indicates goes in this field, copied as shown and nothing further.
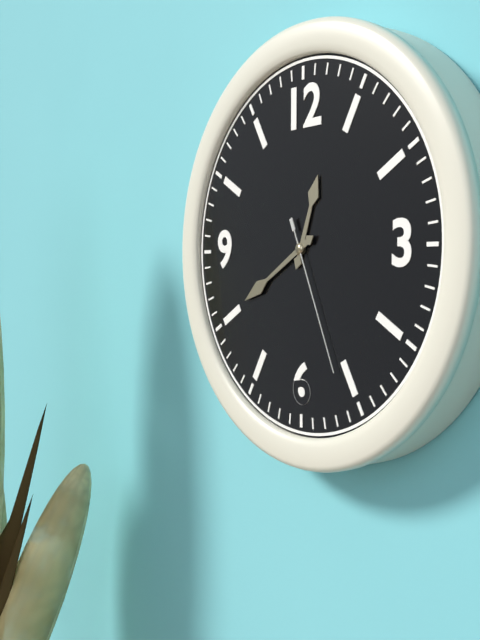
12:40:26
